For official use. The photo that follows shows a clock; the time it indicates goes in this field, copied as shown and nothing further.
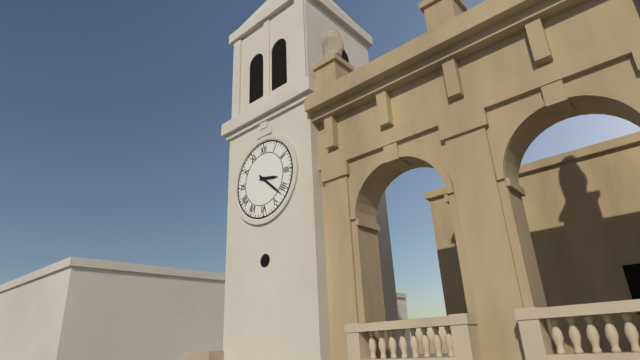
3:22
